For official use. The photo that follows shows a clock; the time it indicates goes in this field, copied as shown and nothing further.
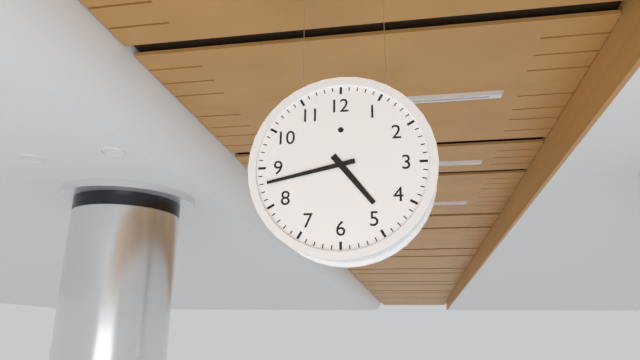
4:43
